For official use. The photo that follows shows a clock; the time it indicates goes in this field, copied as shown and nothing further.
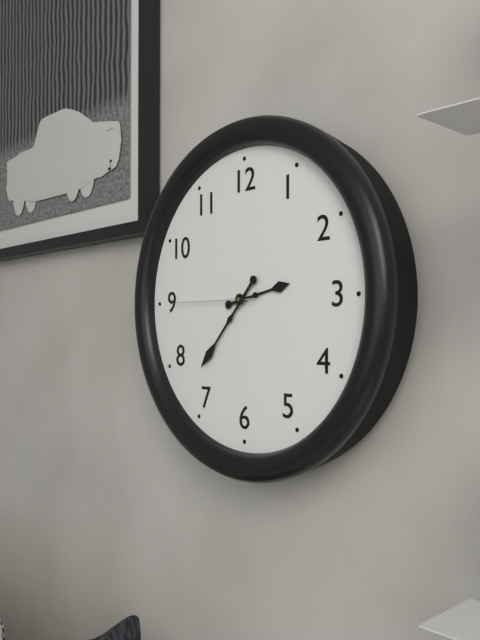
2:37:45
